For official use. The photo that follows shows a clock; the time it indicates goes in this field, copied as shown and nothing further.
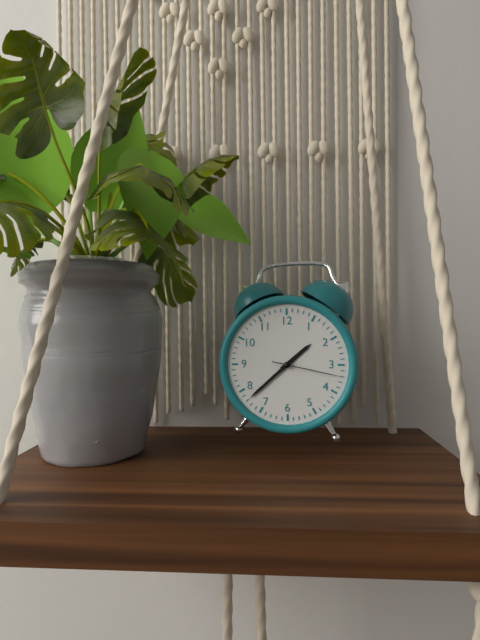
1:38:17
